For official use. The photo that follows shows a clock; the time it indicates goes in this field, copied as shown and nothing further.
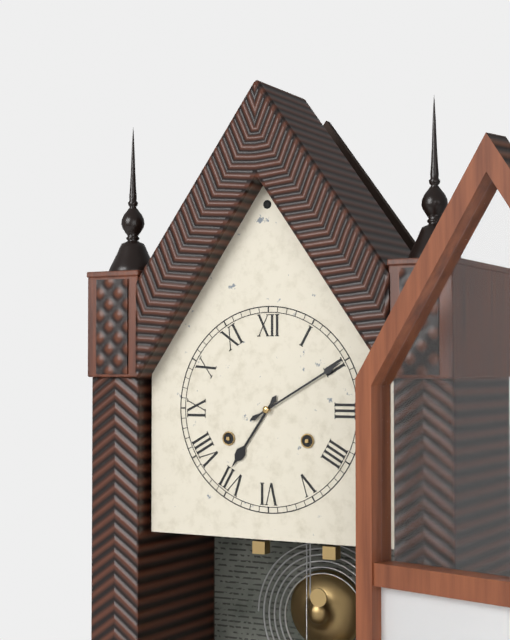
7:10
